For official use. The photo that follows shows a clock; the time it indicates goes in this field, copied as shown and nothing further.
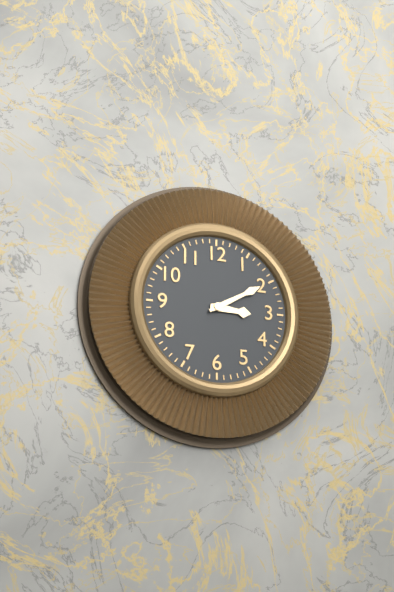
3:10
